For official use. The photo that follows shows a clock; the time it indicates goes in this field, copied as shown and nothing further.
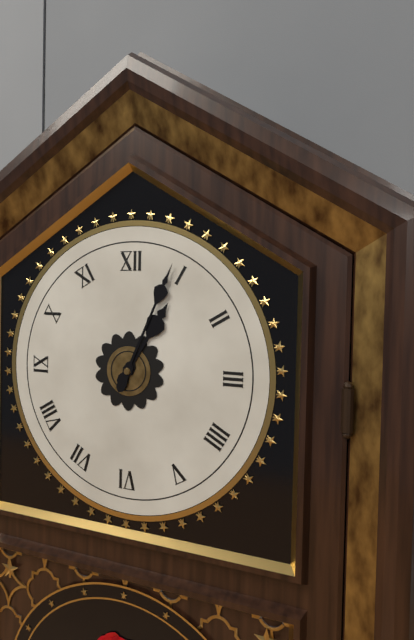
1:04
